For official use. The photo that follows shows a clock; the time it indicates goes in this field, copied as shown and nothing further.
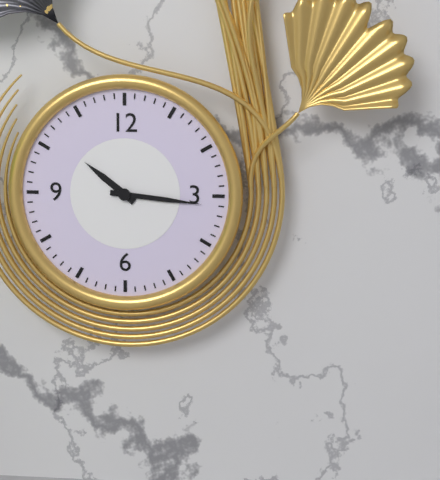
10:16
